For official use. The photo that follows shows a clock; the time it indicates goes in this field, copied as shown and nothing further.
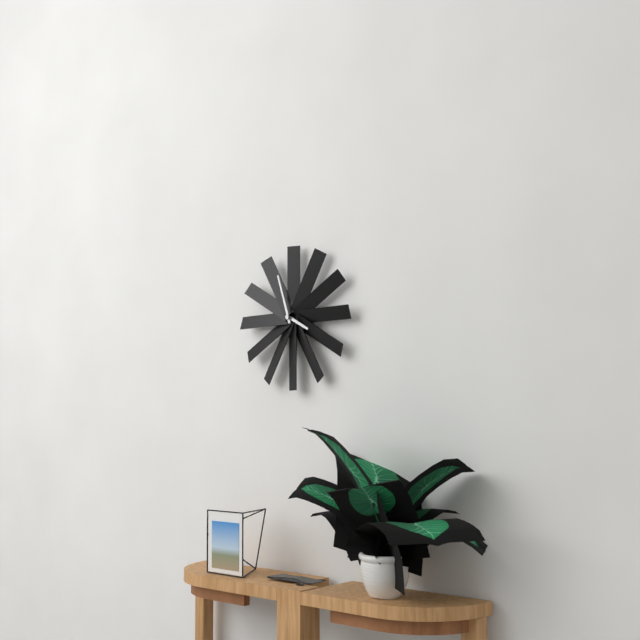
3:57
